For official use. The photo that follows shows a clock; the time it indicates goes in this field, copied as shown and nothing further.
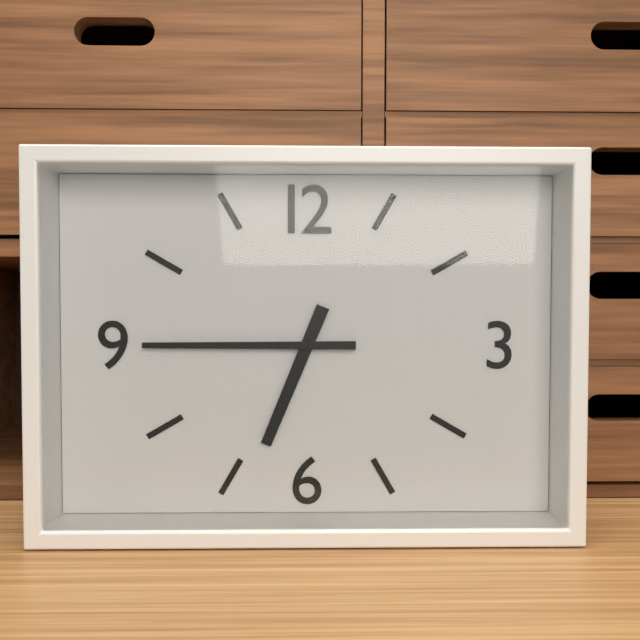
6:45
